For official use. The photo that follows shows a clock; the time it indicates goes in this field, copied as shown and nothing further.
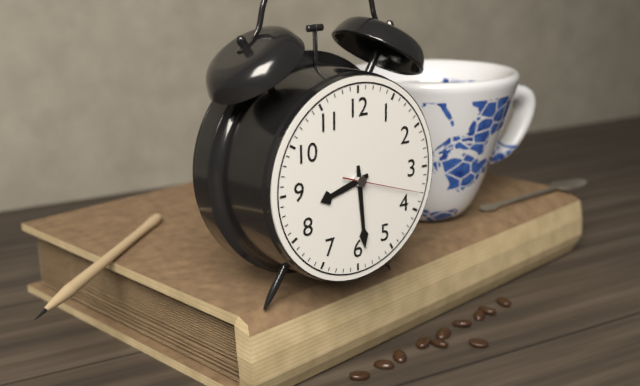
8:29:18
